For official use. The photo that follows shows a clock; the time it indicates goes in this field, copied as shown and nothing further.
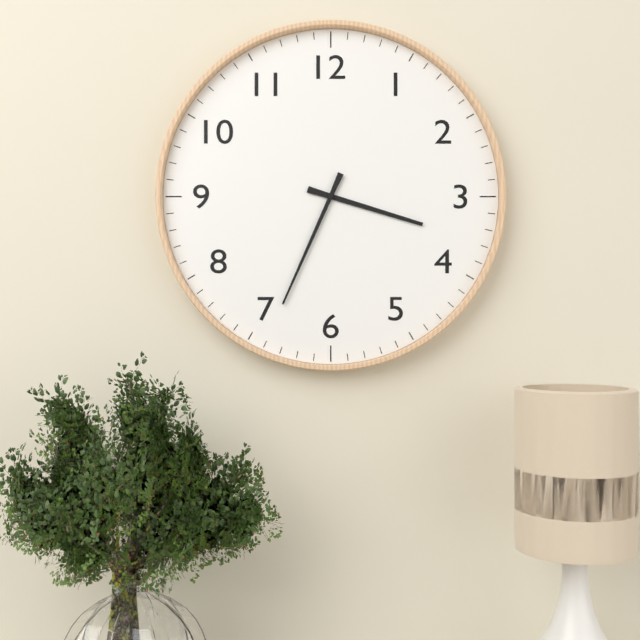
3:34
